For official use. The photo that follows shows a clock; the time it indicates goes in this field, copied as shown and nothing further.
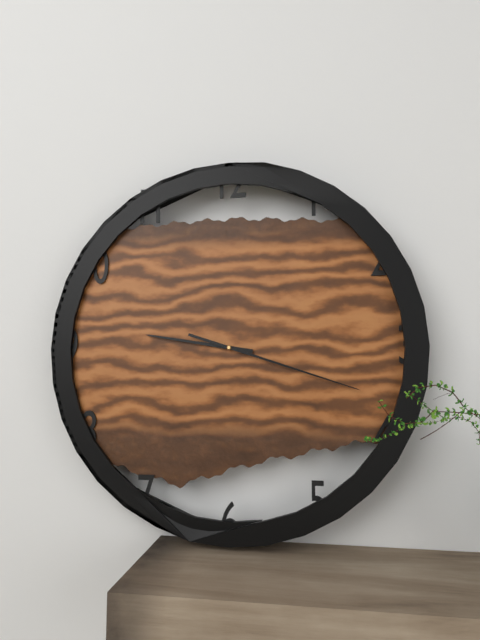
9:18
